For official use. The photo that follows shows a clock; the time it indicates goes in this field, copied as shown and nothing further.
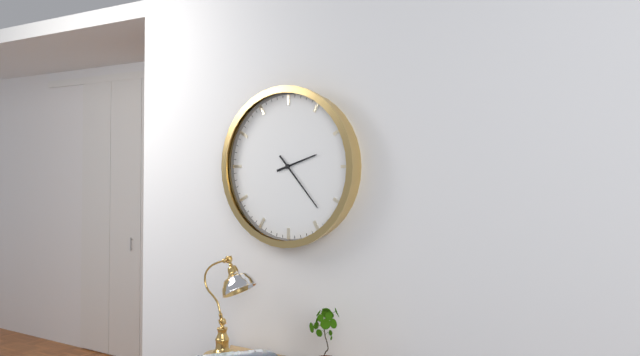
2:23
